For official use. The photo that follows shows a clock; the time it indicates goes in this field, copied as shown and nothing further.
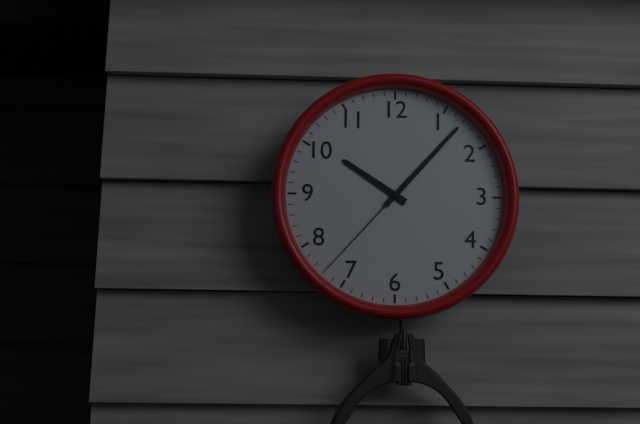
10:07:37
